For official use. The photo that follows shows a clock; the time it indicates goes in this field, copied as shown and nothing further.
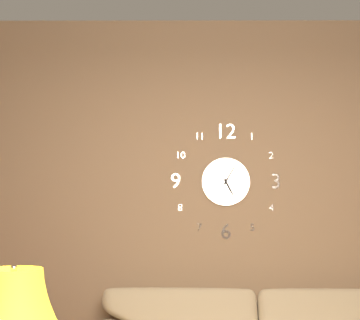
5:05
